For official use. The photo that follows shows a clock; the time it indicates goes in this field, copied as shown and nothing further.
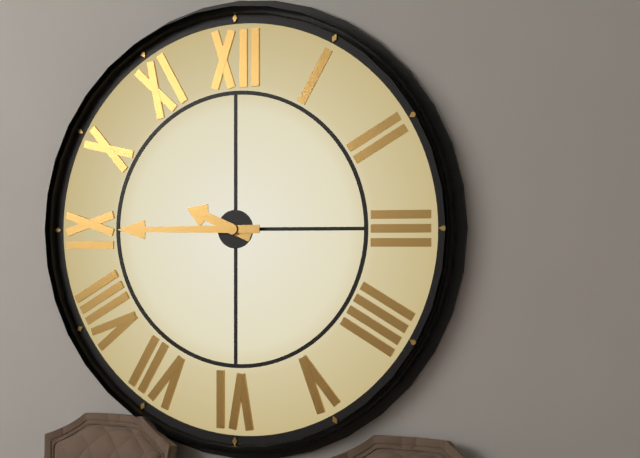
9:45
